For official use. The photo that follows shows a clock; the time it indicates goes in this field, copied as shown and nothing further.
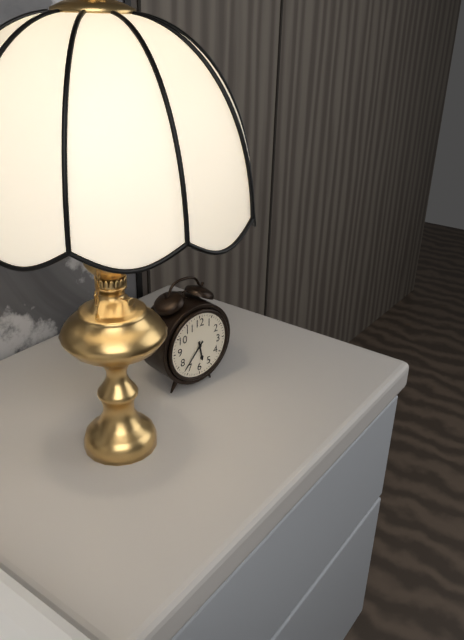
5:37
